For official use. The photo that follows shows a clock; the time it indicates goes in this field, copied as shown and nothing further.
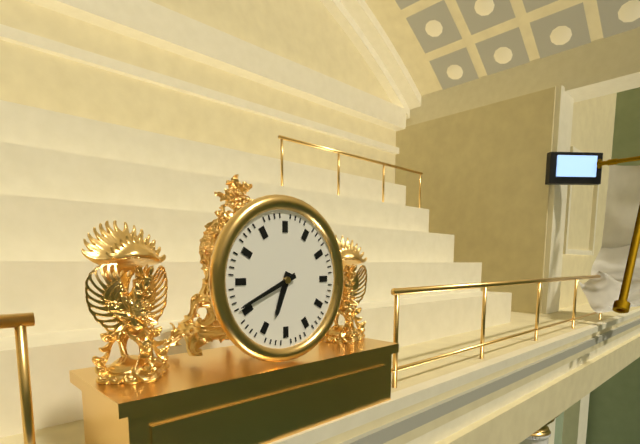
6:41
